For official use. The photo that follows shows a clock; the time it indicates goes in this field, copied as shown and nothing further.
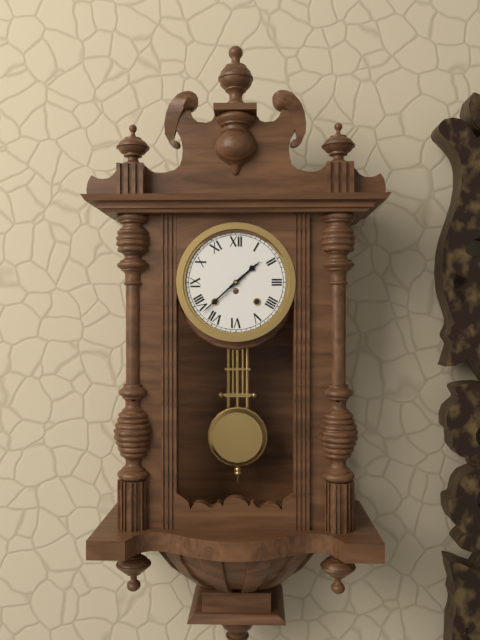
1:38
